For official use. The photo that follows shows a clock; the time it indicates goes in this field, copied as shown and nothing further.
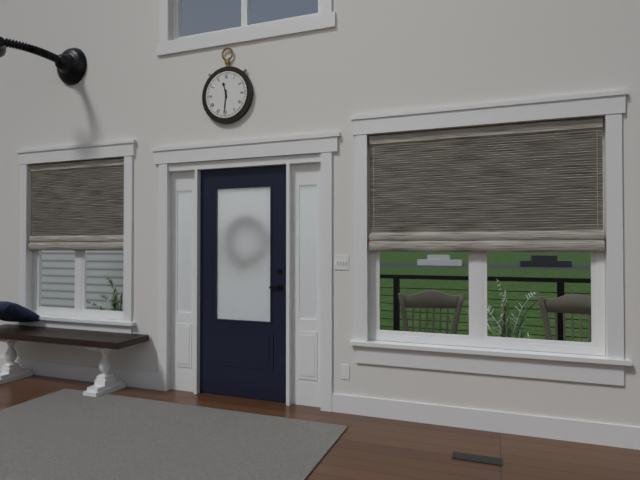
11:31
